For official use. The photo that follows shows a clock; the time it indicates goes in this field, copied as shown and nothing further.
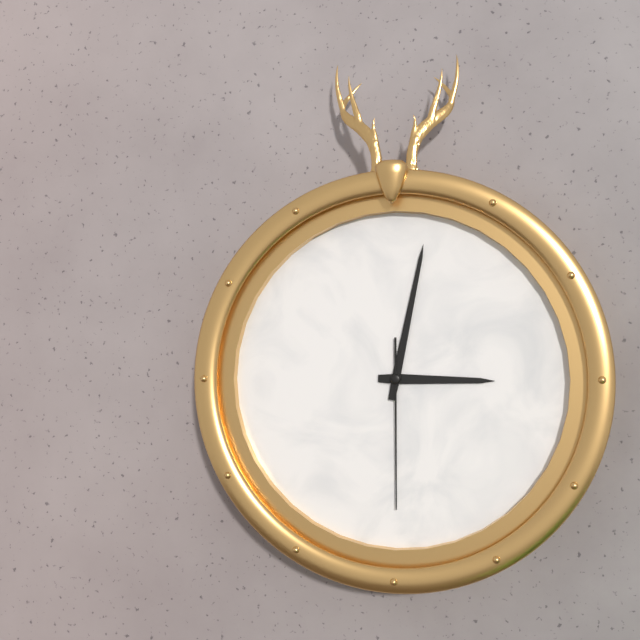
3:02:30
